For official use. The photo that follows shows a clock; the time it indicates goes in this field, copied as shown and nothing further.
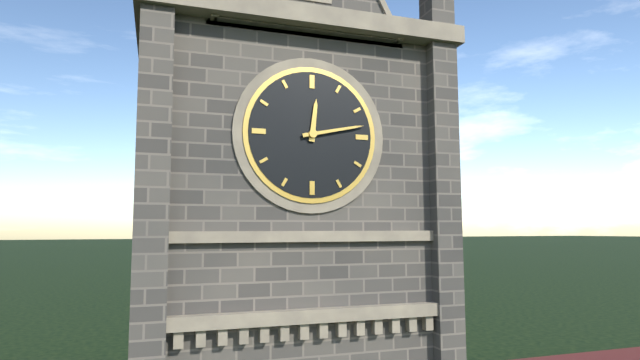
12:13
